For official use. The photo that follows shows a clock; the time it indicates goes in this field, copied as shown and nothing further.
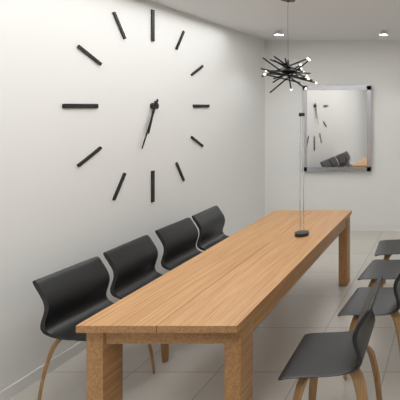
6:34
